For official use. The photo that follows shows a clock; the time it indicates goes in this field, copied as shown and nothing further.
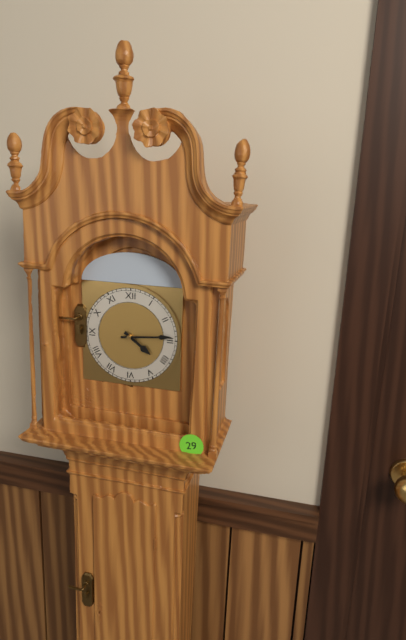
4:14
